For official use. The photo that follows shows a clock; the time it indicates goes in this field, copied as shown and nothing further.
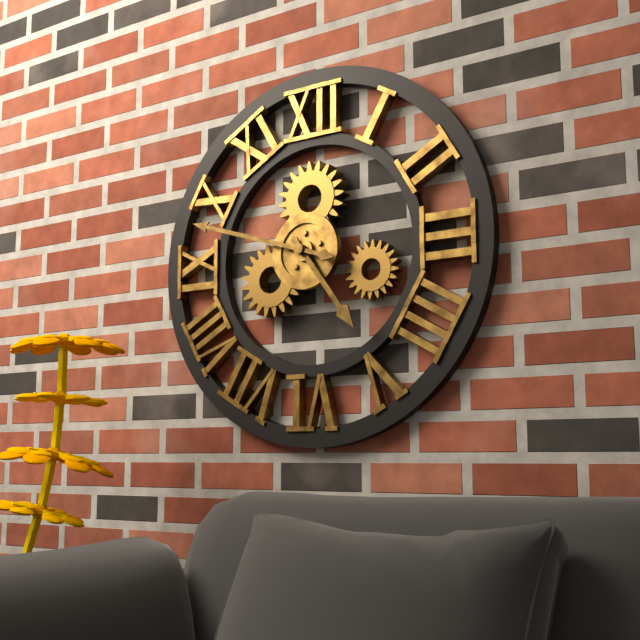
4:48
